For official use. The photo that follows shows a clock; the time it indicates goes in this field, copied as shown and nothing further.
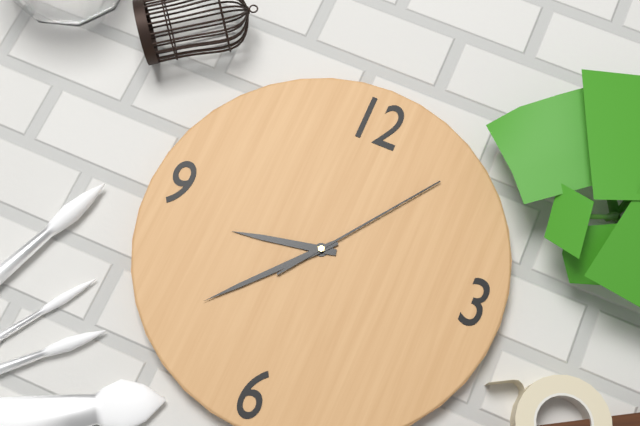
8:37:06
